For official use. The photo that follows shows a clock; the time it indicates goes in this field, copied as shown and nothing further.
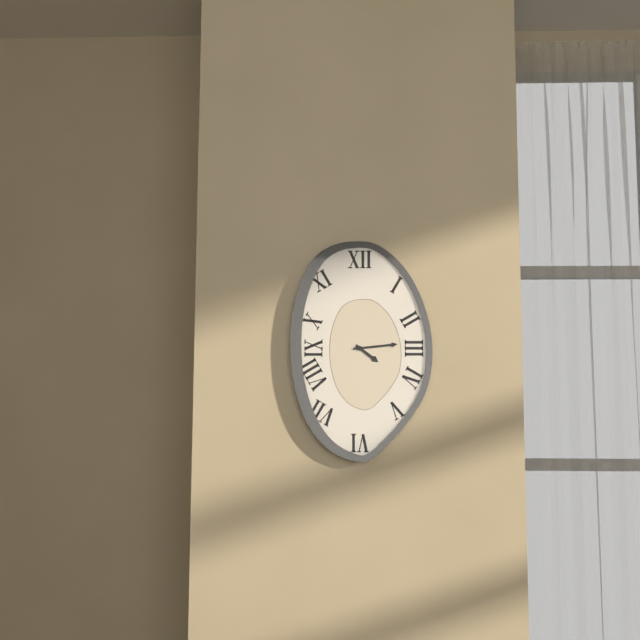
4:14
